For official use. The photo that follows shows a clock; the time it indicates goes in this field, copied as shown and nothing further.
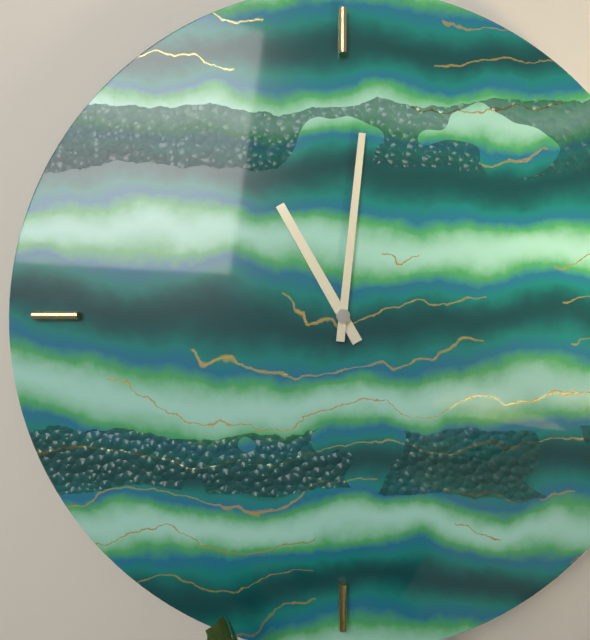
11:01
